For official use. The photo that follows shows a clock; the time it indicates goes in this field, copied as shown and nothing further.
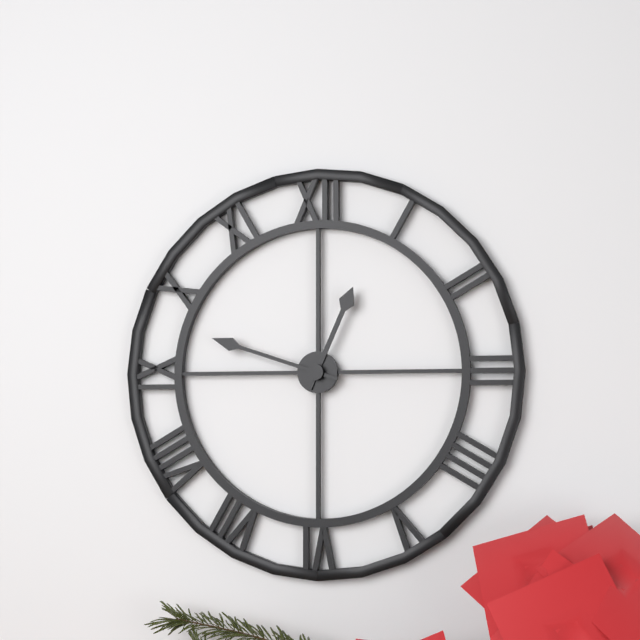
12:48
